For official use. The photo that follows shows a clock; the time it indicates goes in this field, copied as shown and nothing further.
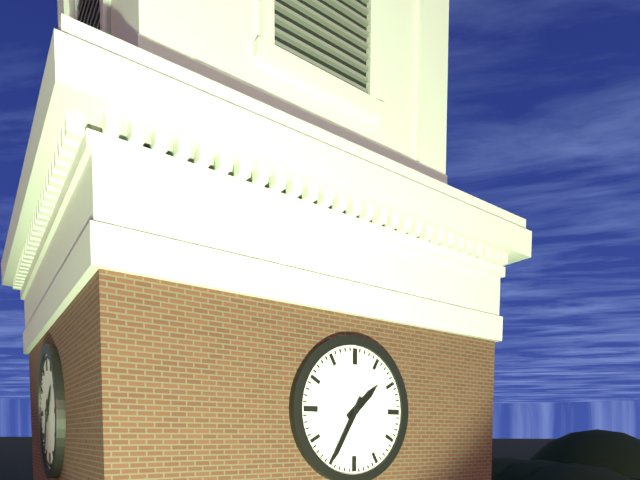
1:35
